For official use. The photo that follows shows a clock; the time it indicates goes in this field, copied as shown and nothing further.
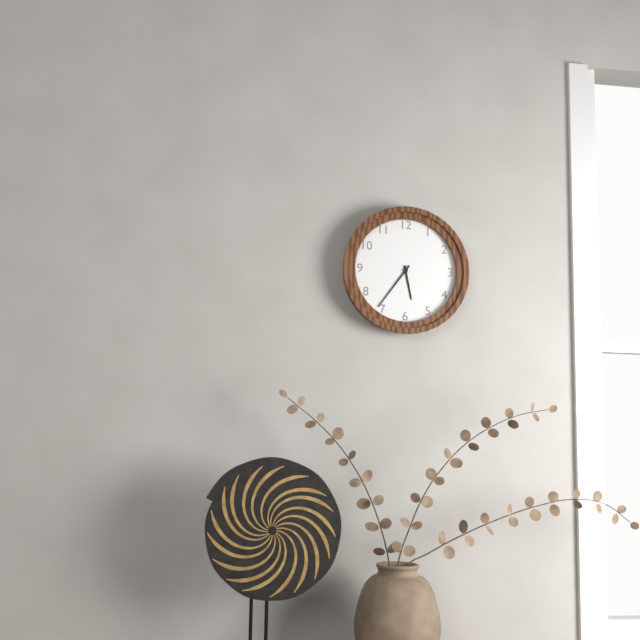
5:36
